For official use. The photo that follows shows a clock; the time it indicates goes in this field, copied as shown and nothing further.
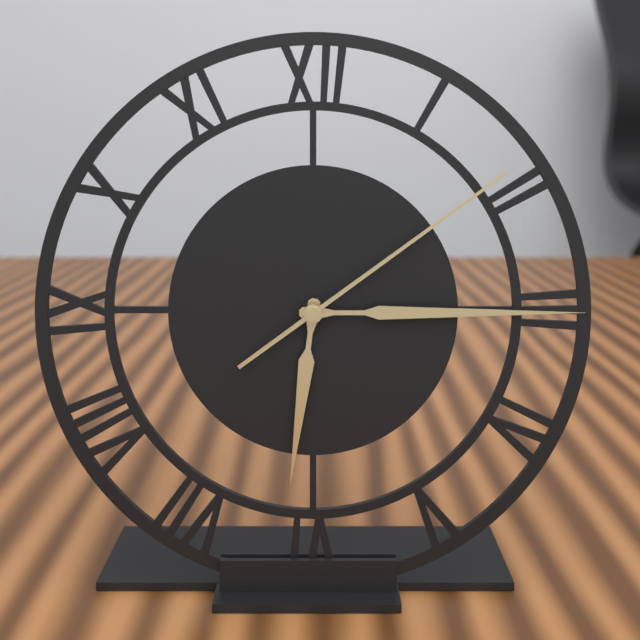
6:15:09
